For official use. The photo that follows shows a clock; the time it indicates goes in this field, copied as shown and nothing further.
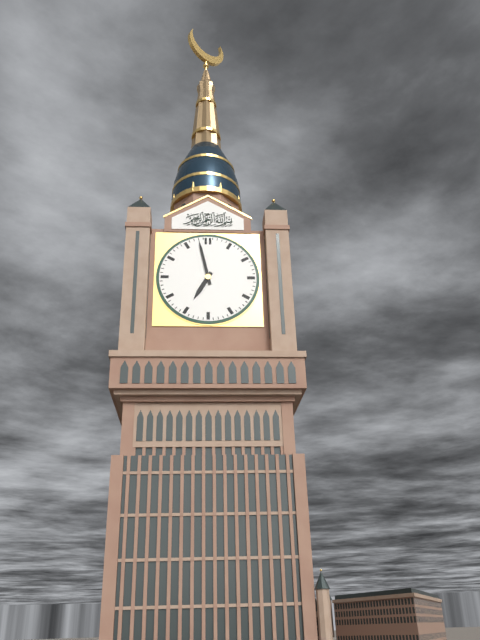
6:58
